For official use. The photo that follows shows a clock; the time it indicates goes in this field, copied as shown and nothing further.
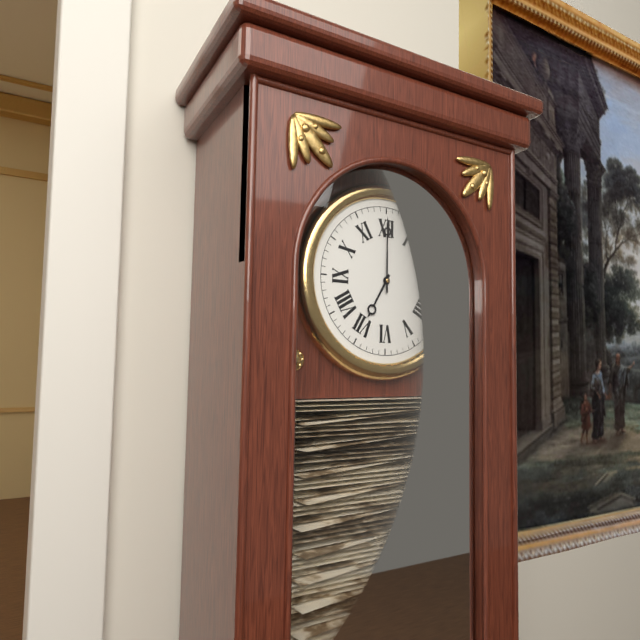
7:00
